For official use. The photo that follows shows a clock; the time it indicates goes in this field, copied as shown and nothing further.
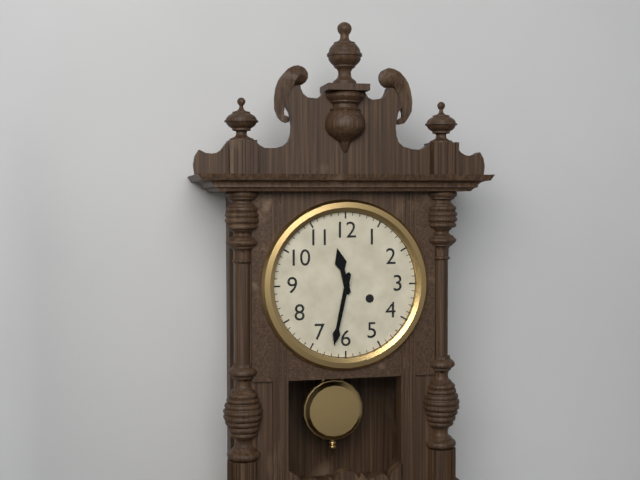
11:32
